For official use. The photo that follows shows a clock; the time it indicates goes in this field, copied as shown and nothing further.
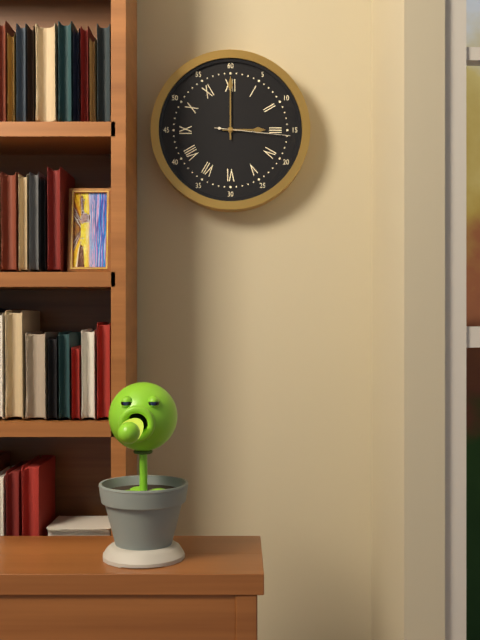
3:00:16
